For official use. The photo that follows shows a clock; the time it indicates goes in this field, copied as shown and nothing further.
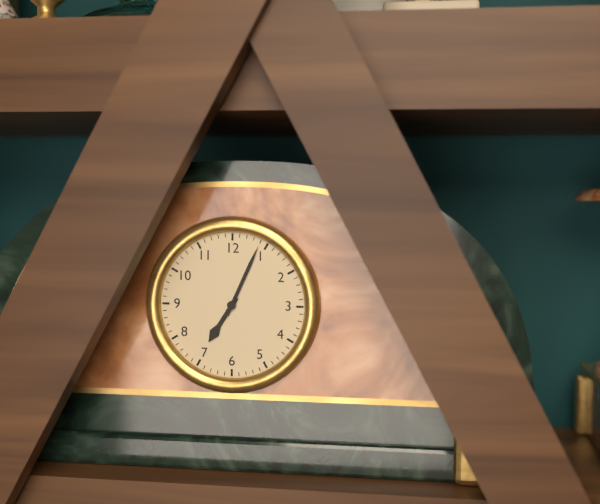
7:04
